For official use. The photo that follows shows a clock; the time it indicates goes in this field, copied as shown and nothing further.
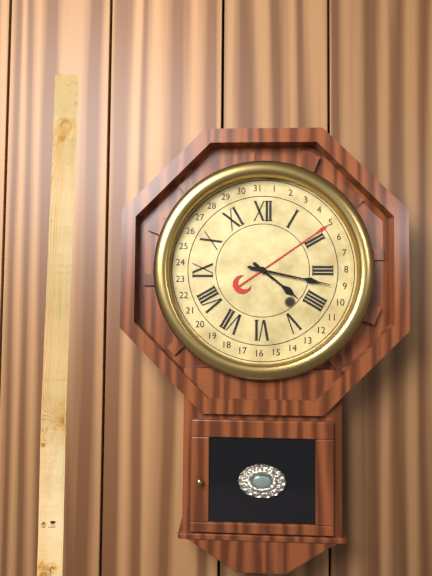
4:17
